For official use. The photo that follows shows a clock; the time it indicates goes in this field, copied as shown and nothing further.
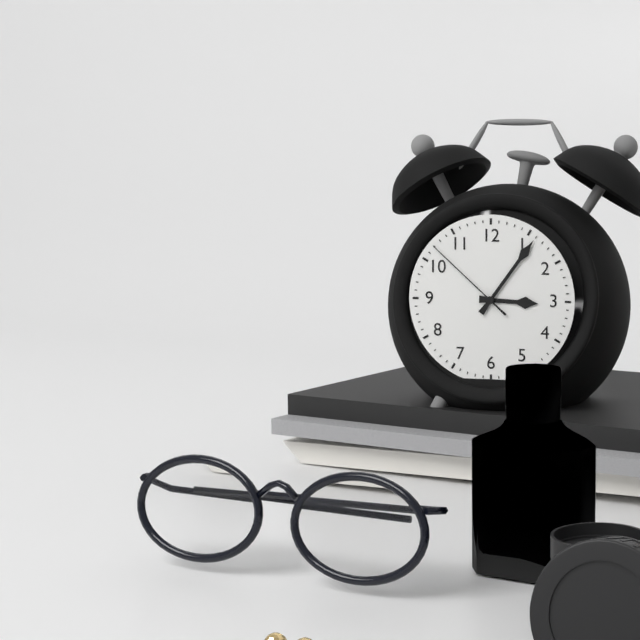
3:06:52
